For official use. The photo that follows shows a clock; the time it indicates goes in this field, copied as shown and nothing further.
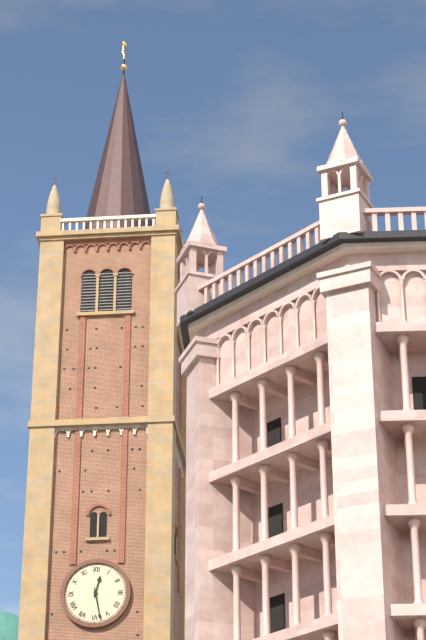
12:28
